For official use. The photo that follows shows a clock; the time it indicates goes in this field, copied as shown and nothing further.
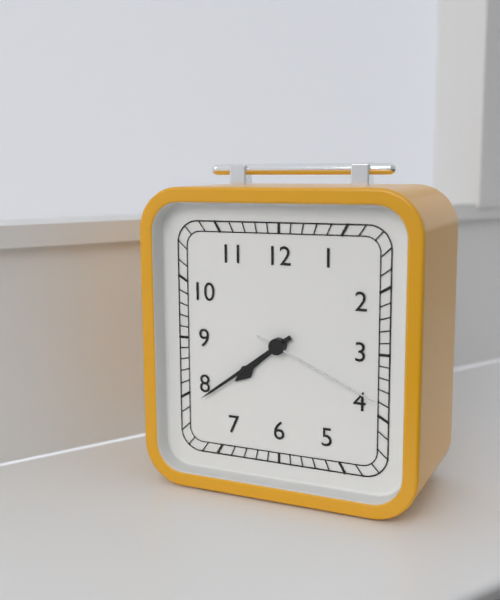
7:39:19
